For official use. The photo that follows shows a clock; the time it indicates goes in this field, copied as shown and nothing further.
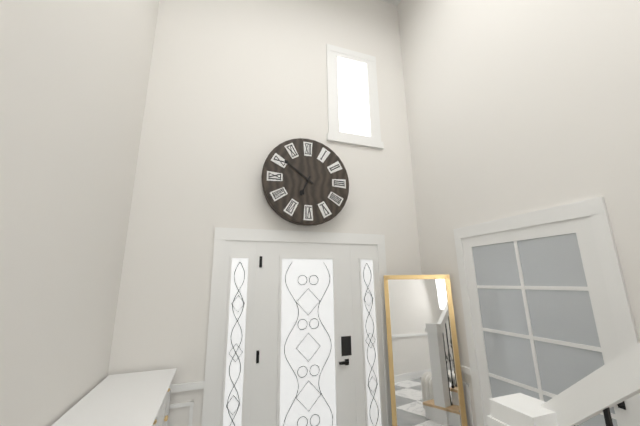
6:51
